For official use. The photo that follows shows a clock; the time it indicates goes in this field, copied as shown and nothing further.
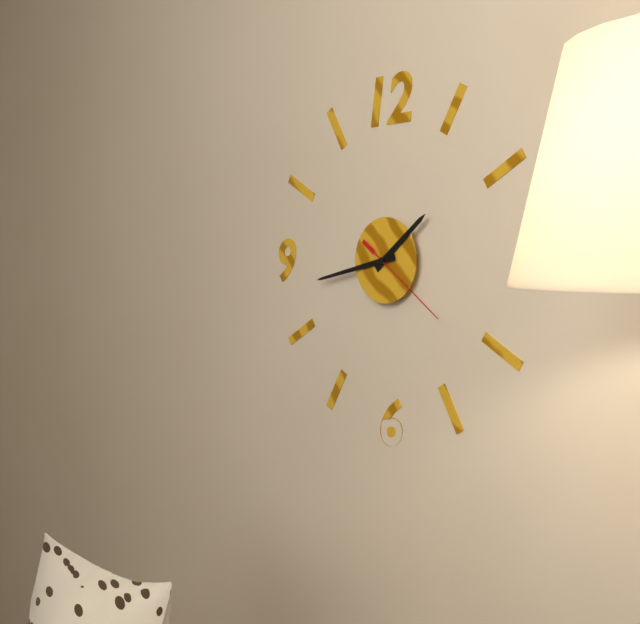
1:43:21
